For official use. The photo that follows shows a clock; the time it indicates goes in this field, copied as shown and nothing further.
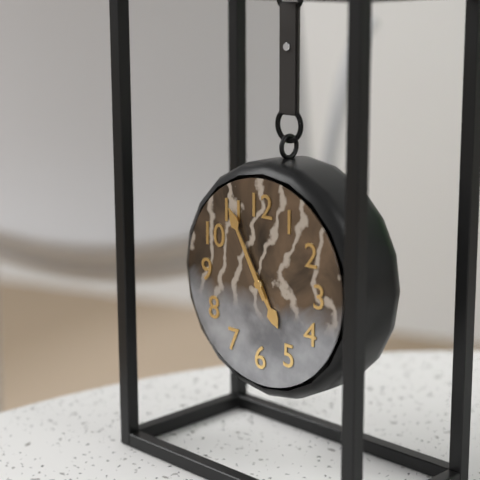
4:55
